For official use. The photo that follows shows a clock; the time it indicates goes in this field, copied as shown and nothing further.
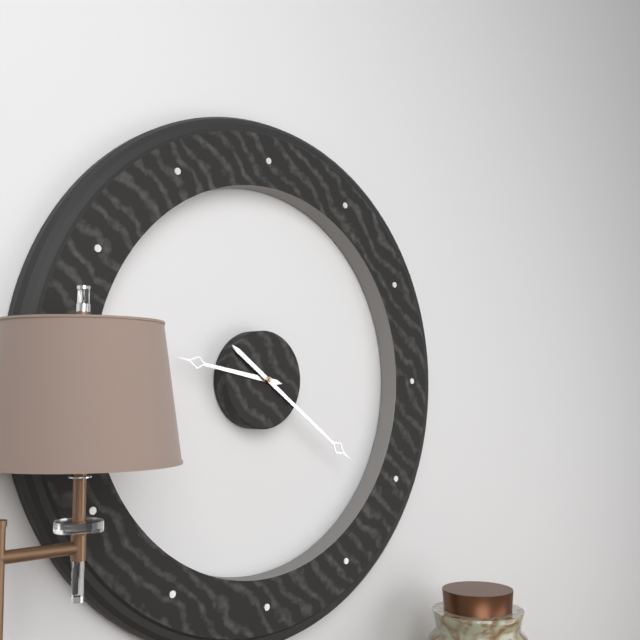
9:21
